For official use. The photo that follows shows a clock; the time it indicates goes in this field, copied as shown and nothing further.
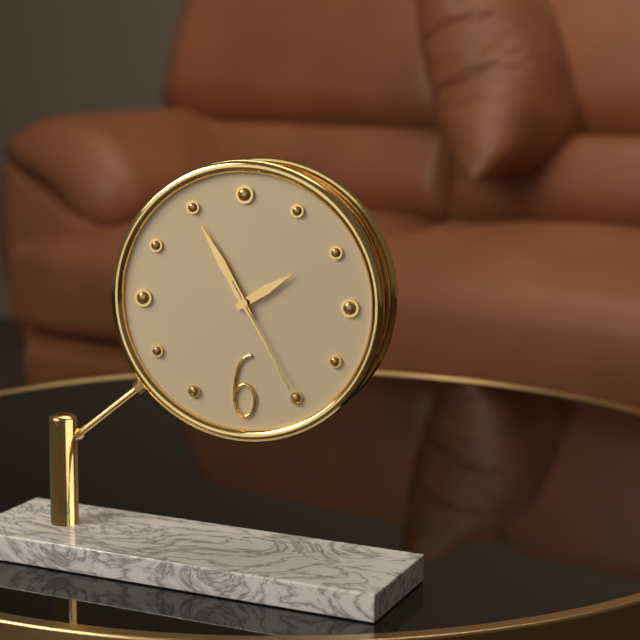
1:55:25
